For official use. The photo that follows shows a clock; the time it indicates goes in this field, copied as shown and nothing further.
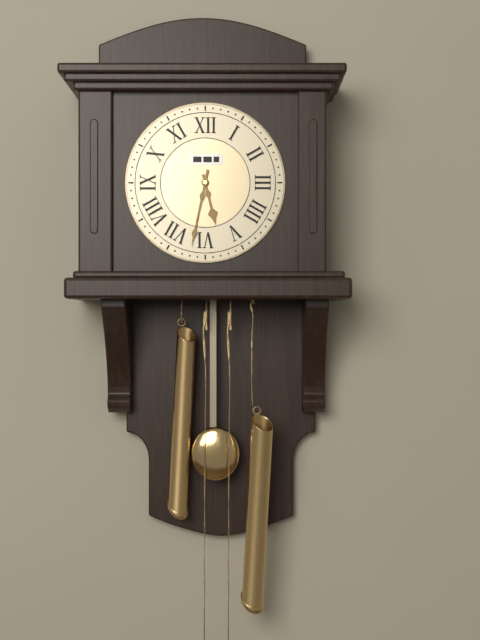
5:32
